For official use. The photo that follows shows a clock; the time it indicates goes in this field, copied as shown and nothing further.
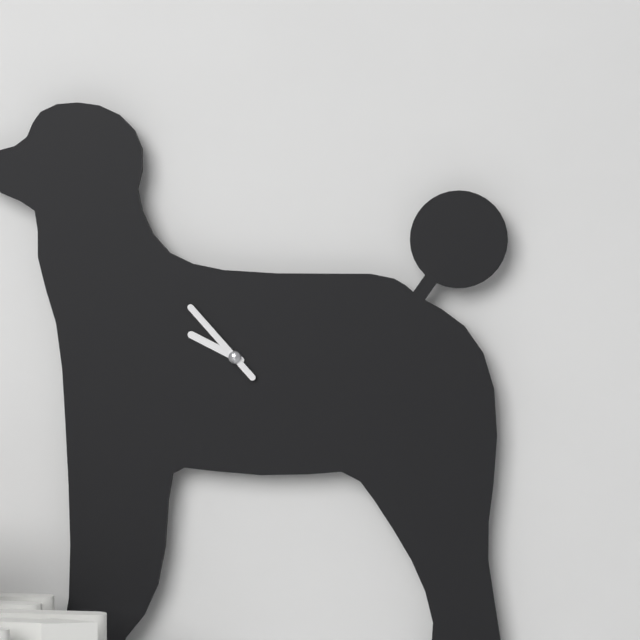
9:53
